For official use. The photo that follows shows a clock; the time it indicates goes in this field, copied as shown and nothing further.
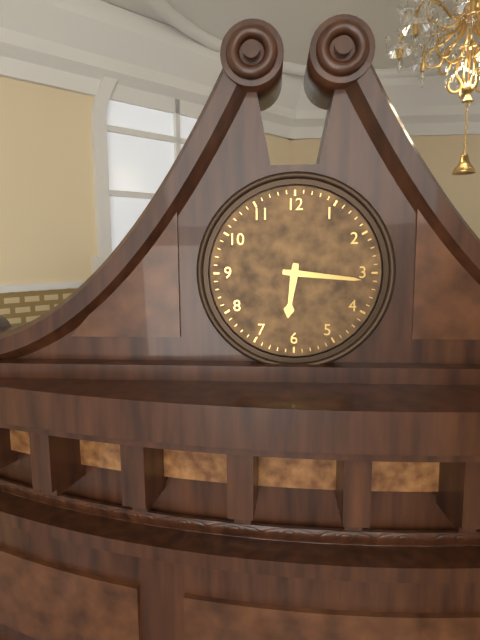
6:16
